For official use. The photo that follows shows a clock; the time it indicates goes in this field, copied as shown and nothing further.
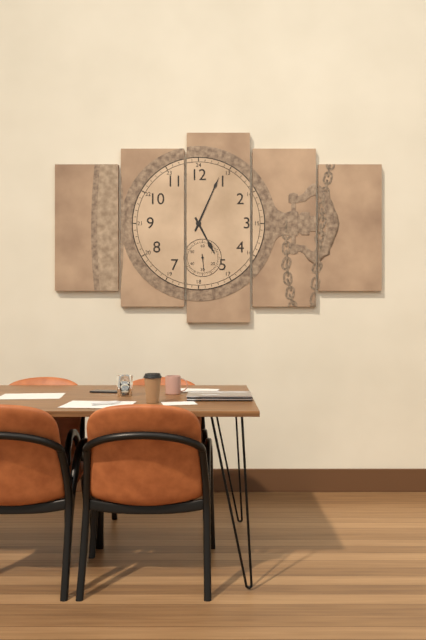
5:04
